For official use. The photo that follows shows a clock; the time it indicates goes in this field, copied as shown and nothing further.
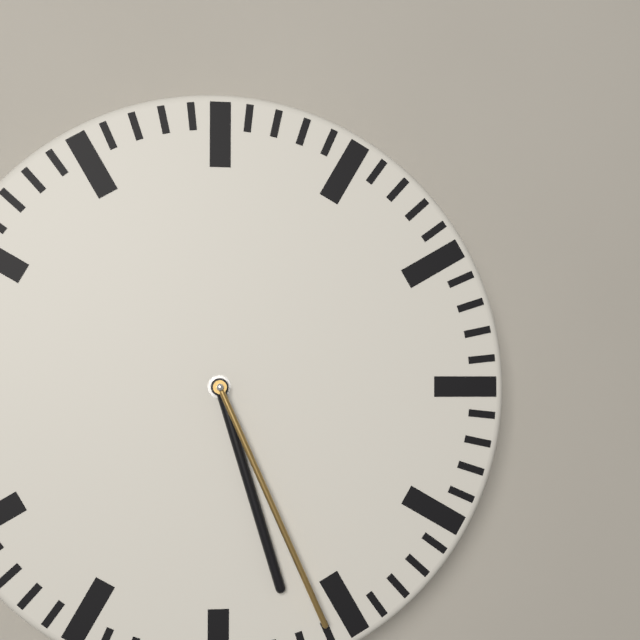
5:26
